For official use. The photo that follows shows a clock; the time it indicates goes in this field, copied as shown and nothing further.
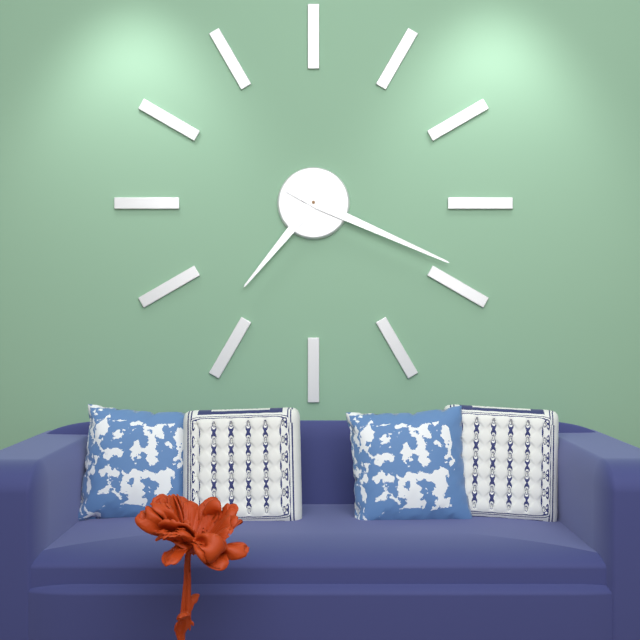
7:19
